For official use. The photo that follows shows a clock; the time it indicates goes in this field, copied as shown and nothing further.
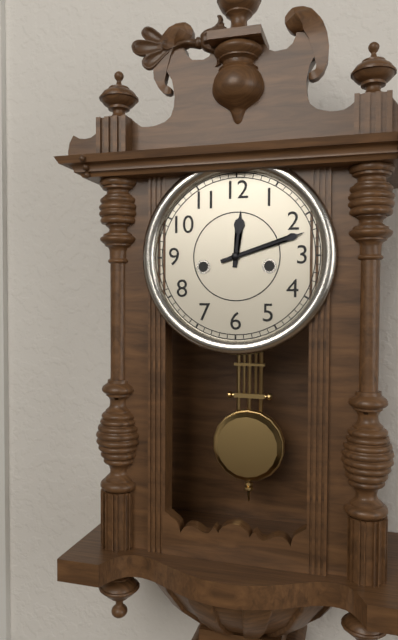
12:12
